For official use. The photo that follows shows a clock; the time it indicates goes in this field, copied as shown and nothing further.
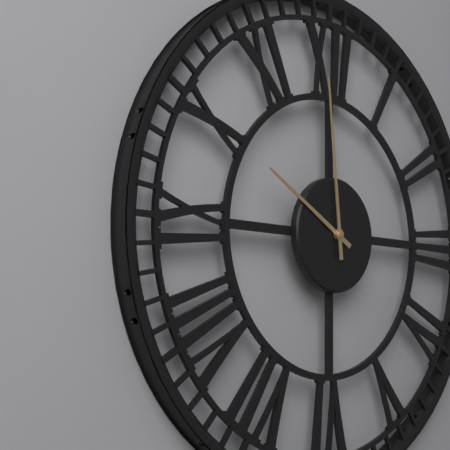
9:59
